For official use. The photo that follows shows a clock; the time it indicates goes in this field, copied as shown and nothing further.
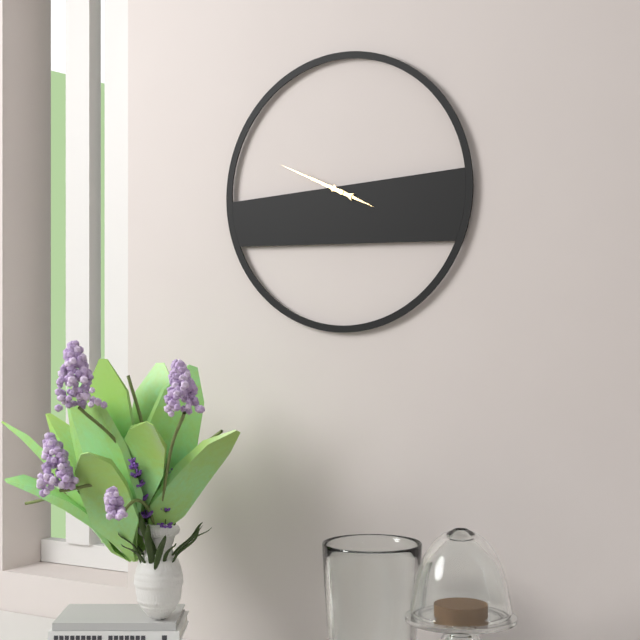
3:49
